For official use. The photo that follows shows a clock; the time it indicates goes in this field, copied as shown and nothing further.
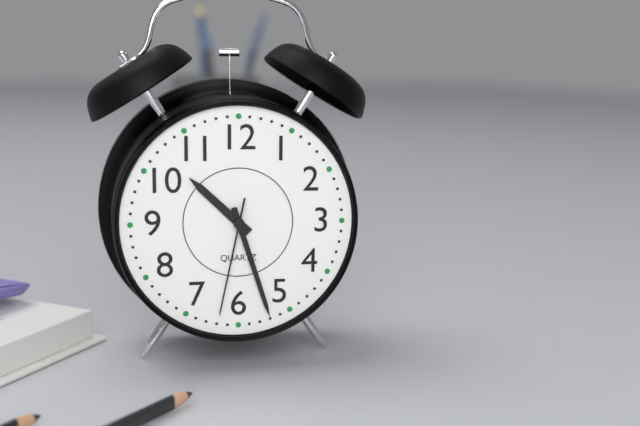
10:27:32
